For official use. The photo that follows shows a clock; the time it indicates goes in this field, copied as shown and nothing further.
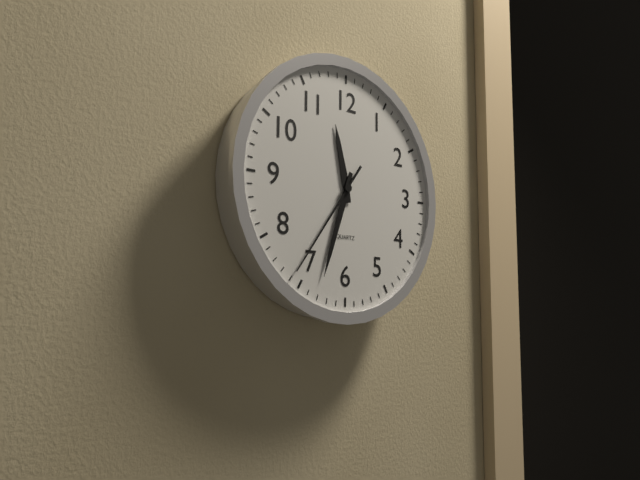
11:33:36
